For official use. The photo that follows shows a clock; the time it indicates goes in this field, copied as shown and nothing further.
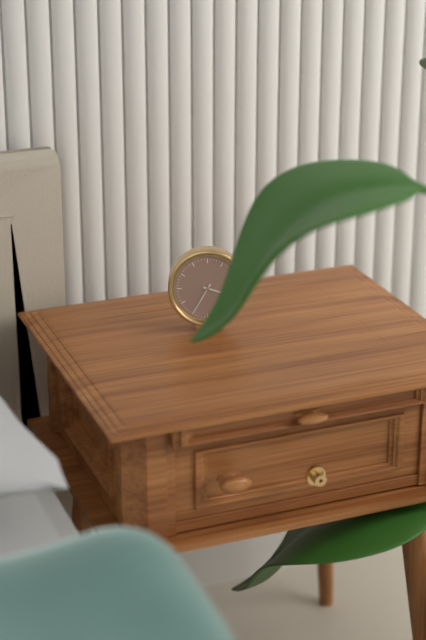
3:35
